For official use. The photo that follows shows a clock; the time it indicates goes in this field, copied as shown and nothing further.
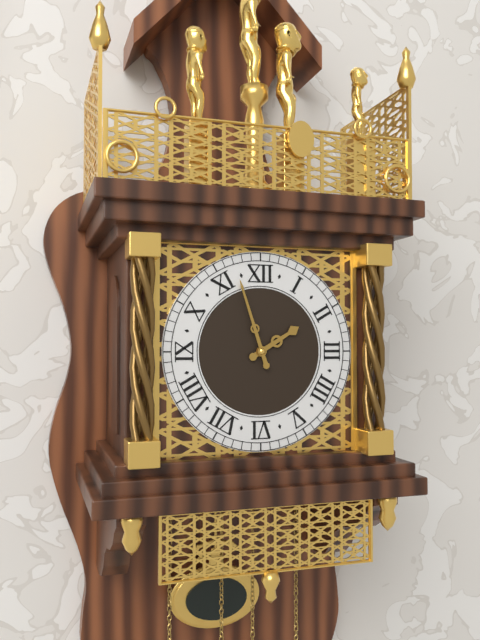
1:57
